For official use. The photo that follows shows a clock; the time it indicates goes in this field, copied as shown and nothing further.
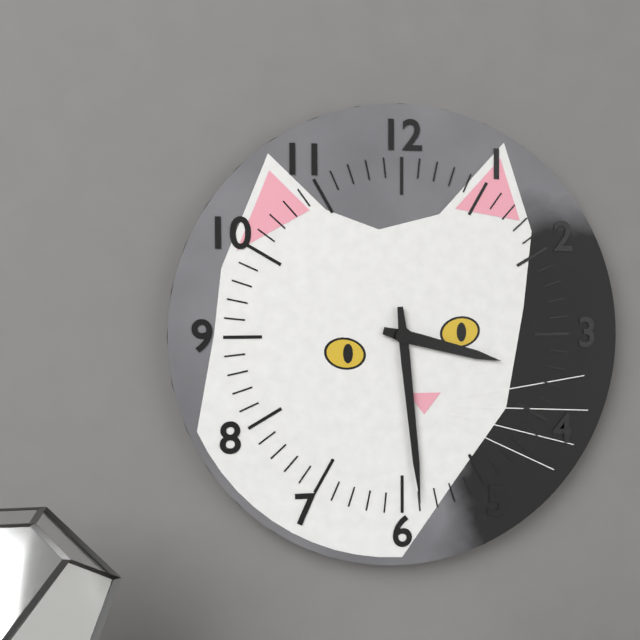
3:29
